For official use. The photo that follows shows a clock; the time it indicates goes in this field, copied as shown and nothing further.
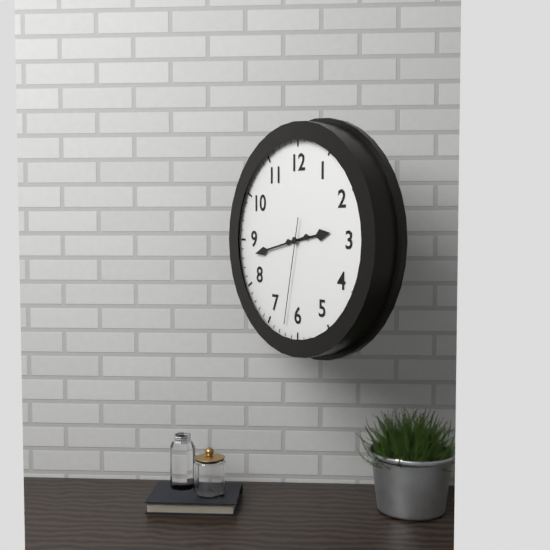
2:43:32
